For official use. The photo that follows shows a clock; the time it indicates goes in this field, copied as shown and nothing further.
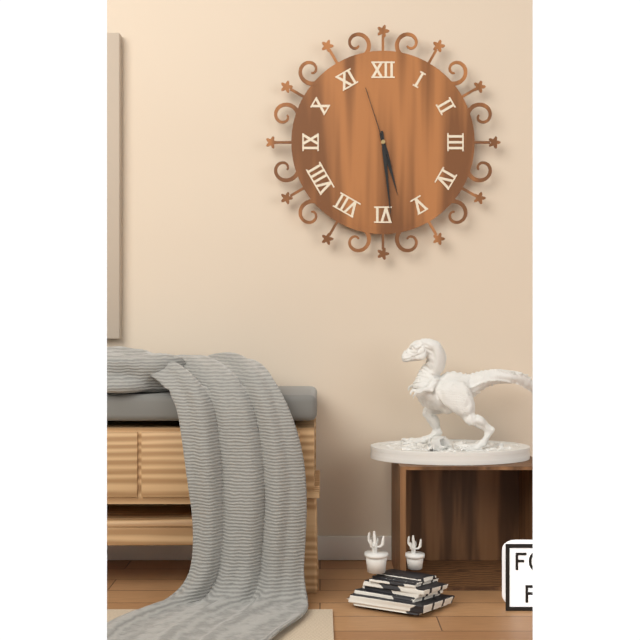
5:29:57
